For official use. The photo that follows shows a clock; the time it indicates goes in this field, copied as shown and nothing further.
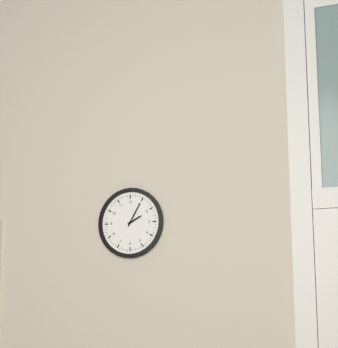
2:05
